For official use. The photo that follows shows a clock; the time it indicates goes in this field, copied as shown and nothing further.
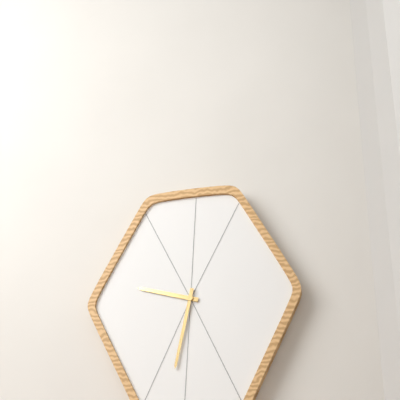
9:32
